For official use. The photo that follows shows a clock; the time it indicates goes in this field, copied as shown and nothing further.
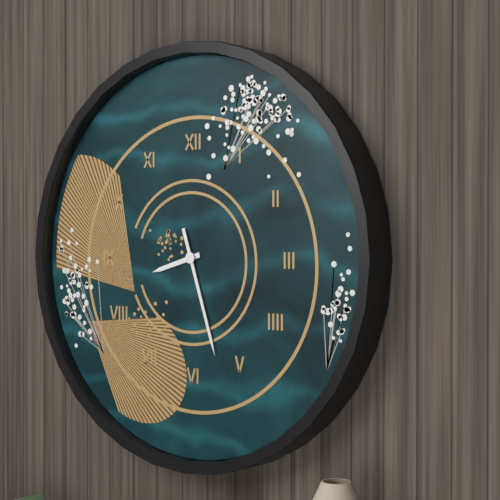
8:27
